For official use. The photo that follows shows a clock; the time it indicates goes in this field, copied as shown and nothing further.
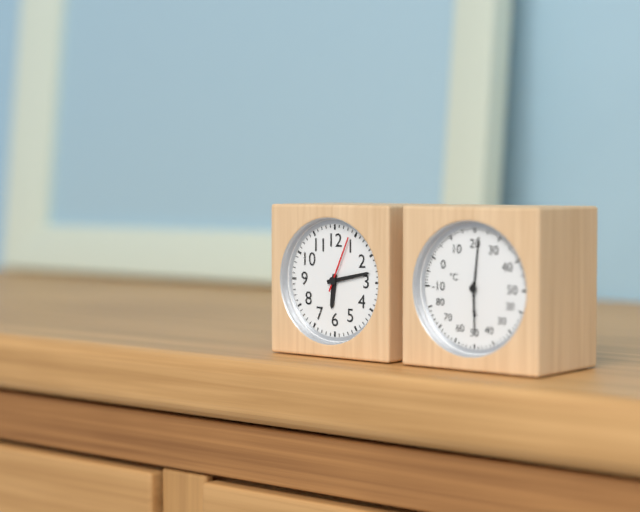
6:13:04
